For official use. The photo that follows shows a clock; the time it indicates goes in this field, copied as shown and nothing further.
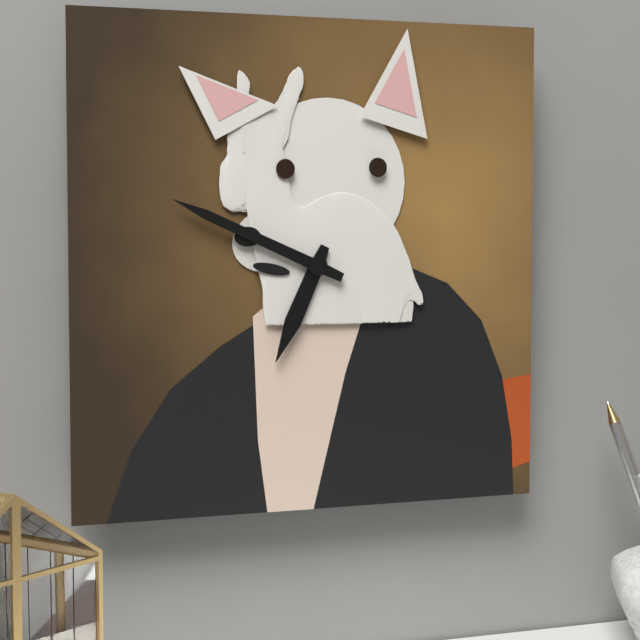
6:49
